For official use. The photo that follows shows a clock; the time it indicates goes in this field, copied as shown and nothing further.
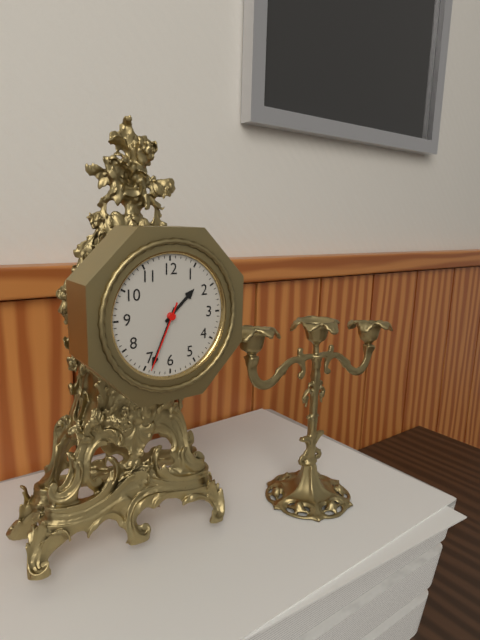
1:34:34
